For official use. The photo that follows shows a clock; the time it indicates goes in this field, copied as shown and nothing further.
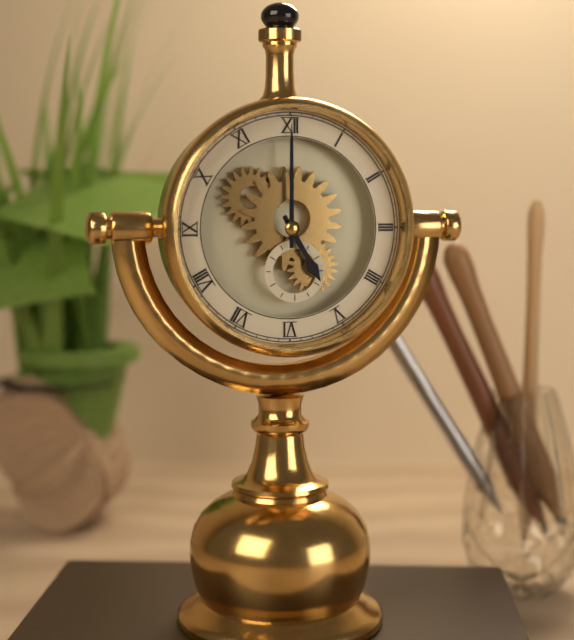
5:00
